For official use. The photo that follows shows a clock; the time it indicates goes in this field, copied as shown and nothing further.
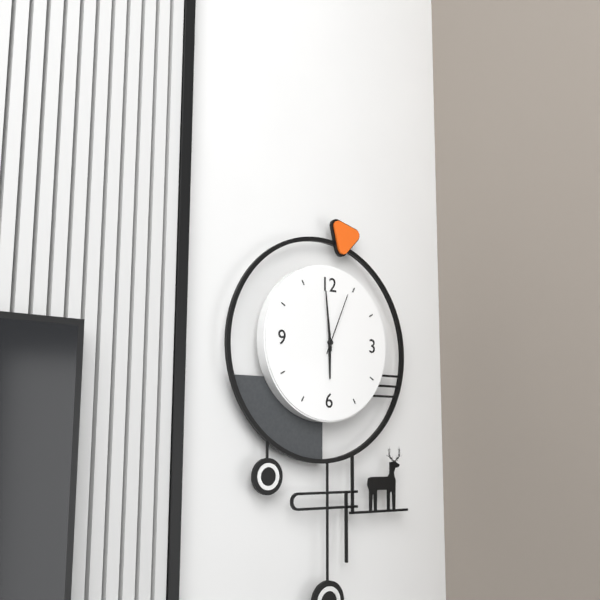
5:59:04
